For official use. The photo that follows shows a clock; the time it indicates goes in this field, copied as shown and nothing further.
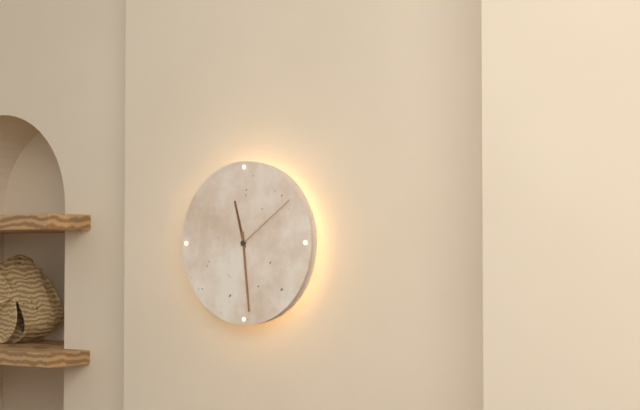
11:29:09
